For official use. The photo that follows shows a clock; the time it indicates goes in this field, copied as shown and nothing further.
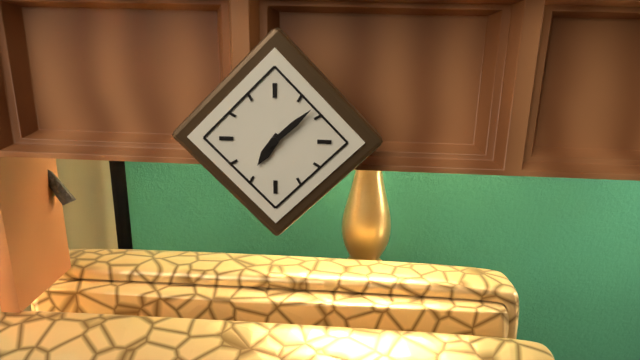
7:08
